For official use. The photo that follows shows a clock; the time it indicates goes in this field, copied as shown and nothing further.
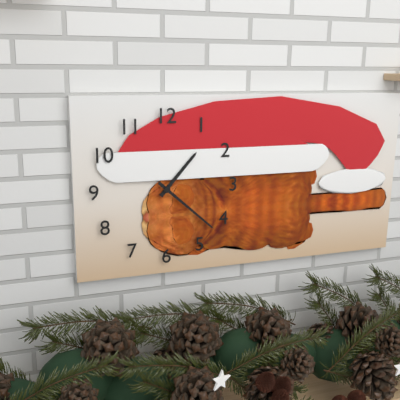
1:22
